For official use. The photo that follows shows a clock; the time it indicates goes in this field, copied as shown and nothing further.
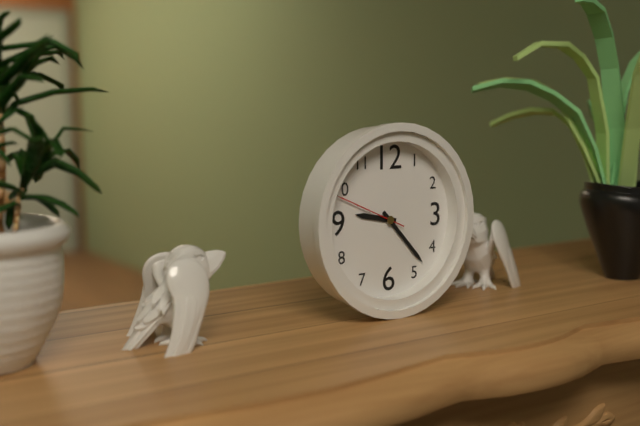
9:23:49
